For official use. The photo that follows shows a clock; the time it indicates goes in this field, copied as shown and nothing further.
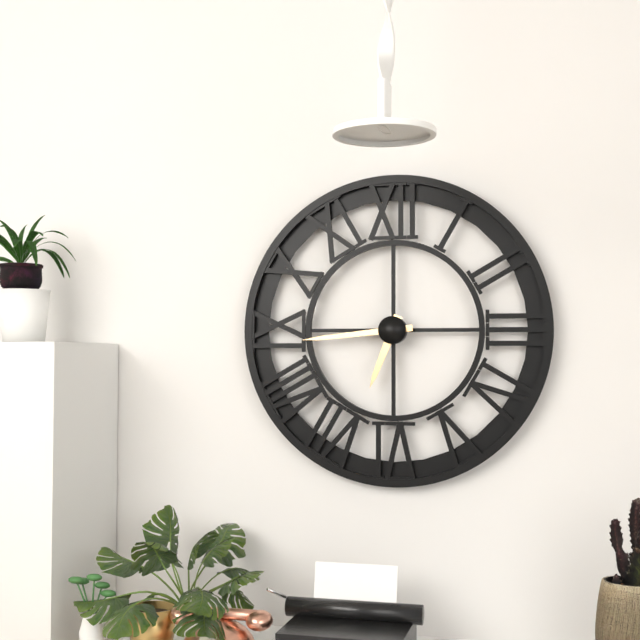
6:44
